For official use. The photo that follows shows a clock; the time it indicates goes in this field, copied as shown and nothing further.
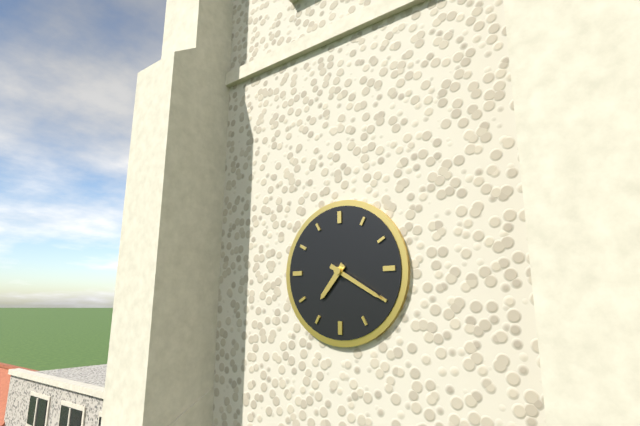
7:20
